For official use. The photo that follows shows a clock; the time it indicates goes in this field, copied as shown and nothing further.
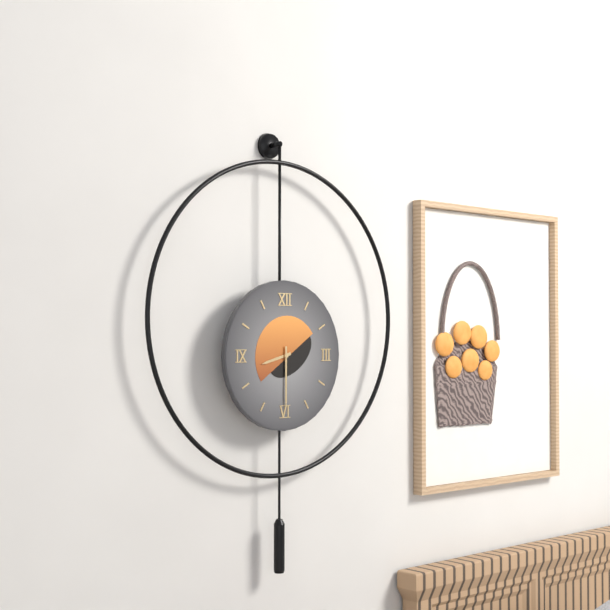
8:30
